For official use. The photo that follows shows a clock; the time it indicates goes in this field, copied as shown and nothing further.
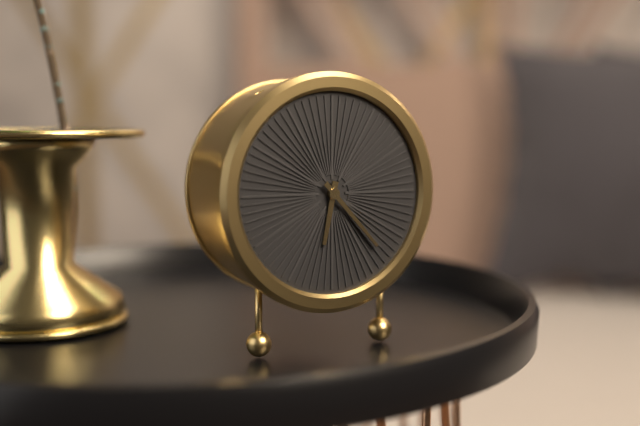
6:23
